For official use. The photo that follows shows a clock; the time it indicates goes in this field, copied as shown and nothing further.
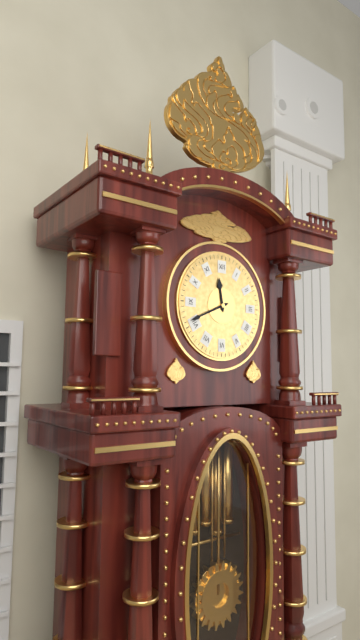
11:41
